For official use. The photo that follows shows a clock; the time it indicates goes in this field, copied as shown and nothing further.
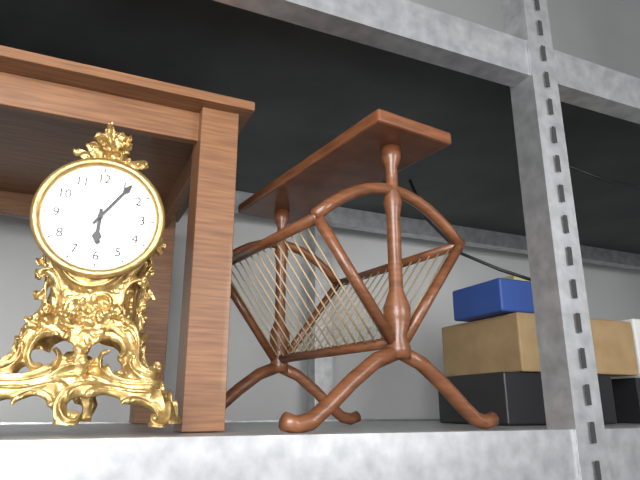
6:06
